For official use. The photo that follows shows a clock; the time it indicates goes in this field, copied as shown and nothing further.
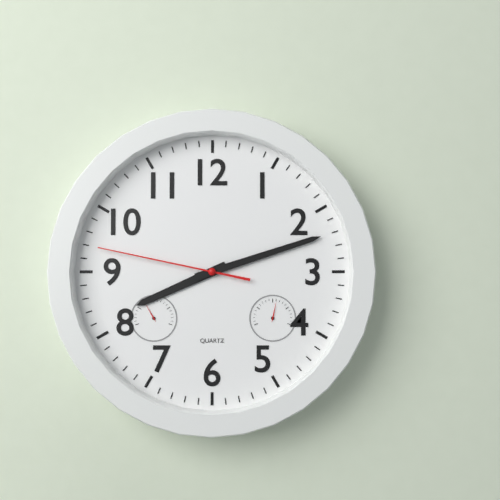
8:12:47
